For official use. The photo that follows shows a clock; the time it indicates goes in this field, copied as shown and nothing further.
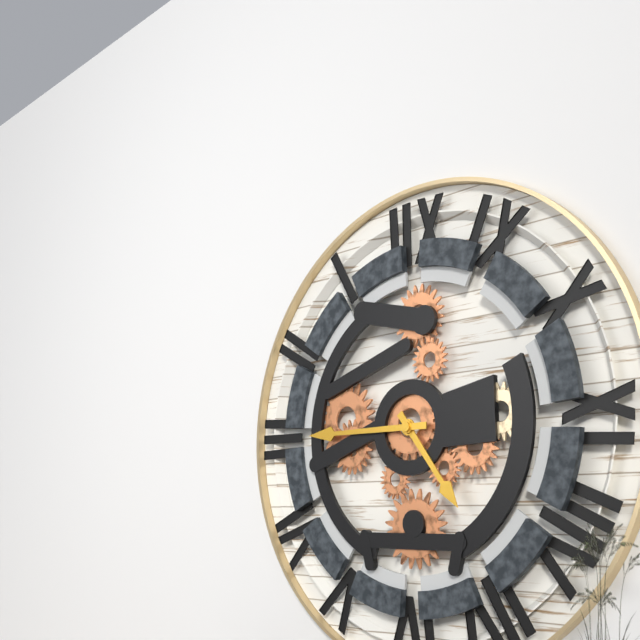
4:45
